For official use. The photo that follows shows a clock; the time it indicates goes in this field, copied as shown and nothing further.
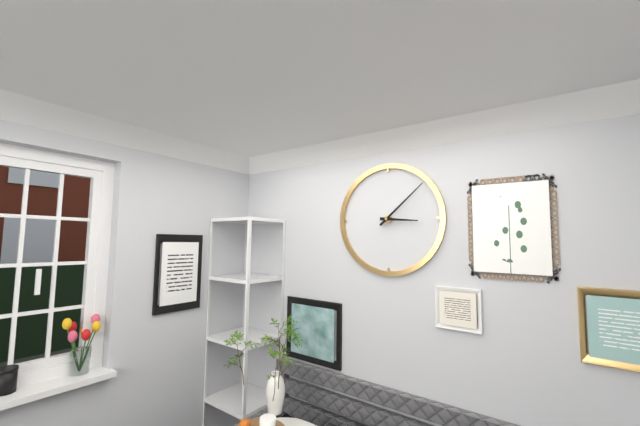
3:08
